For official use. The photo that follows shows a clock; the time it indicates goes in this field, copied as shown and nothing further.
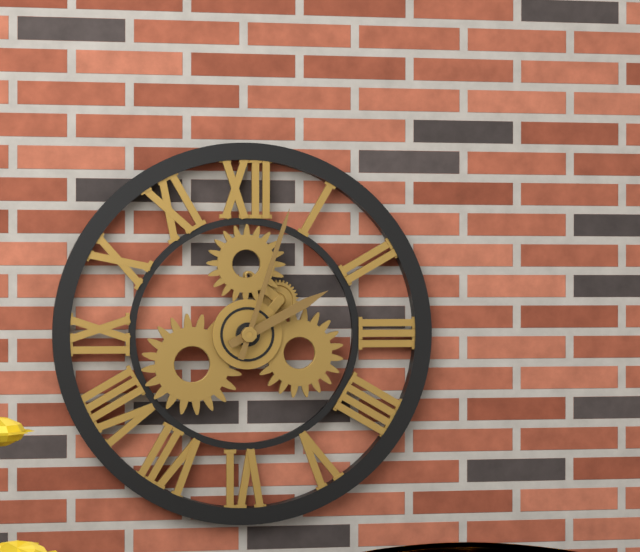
2:03
